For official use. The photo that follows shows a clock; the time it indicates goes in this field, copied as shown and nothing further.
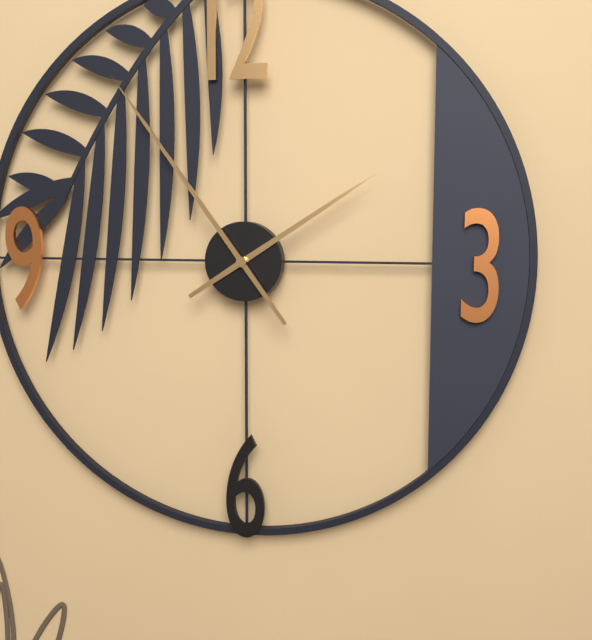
1:54
